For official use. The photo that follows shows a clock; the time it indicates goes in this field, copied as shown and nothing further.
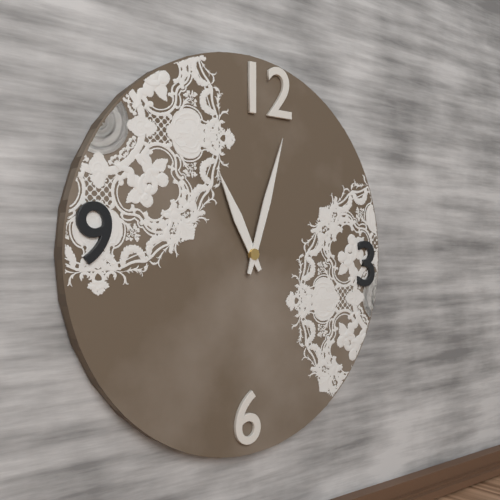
11:03
